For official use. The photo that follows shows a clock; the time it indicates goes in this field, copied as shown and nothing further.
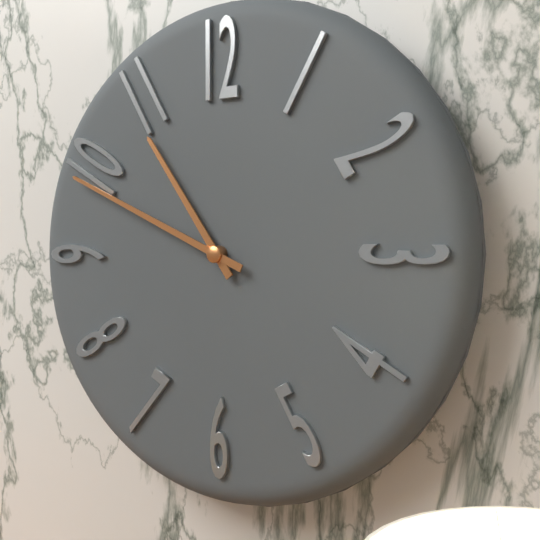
10:49
